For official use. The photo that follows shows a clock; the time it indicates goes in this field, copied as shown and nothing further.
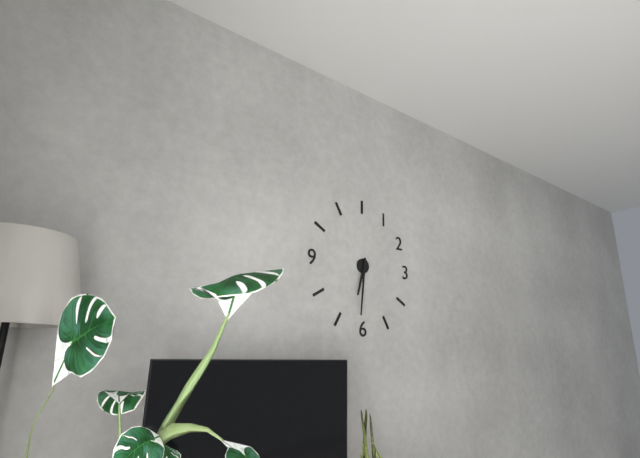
6:31
